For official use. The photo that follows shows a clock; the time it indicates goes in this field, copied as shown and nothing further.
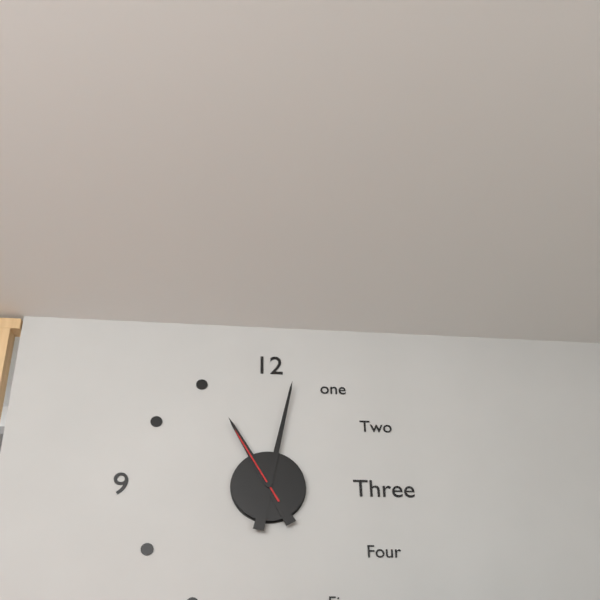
11:02:55
